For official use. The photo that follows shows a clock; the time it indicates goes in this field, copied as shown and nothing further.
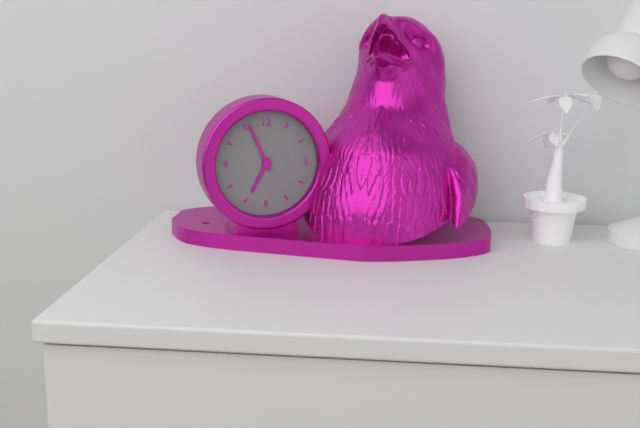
6:56
